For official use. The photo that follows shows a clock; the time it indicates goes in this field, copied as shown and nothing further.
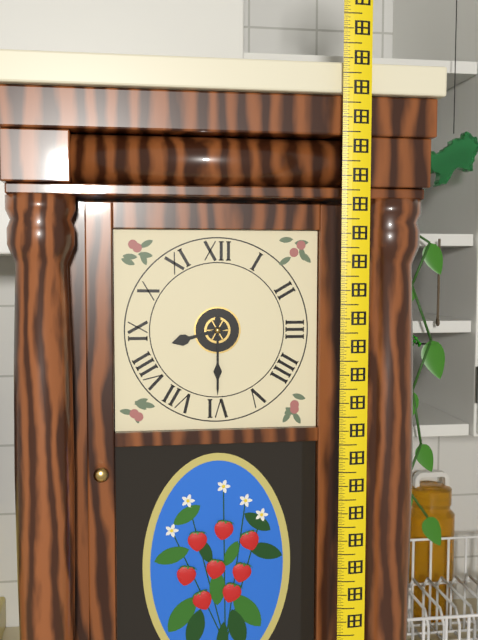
8:30
